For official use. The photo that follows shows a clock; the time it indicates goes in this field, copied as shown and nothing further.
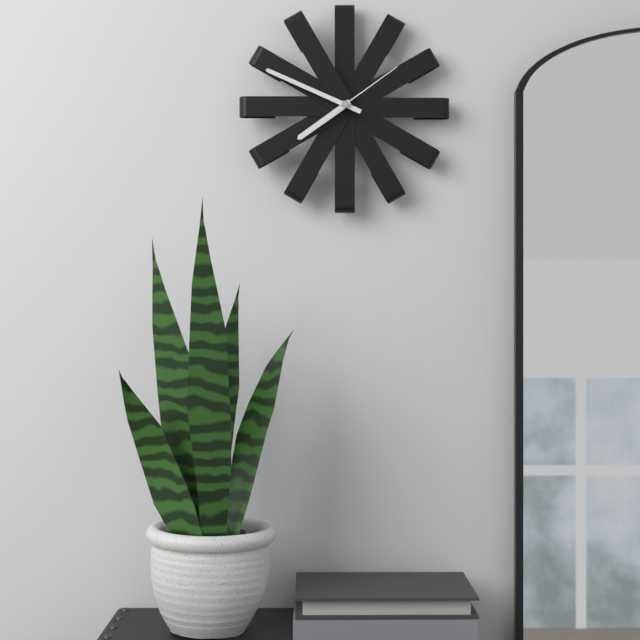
7:49:09
